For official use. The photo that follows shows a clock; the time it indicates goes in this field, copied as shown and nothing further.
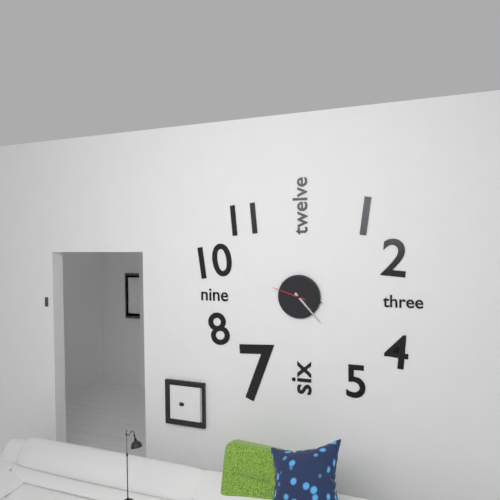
3:23
